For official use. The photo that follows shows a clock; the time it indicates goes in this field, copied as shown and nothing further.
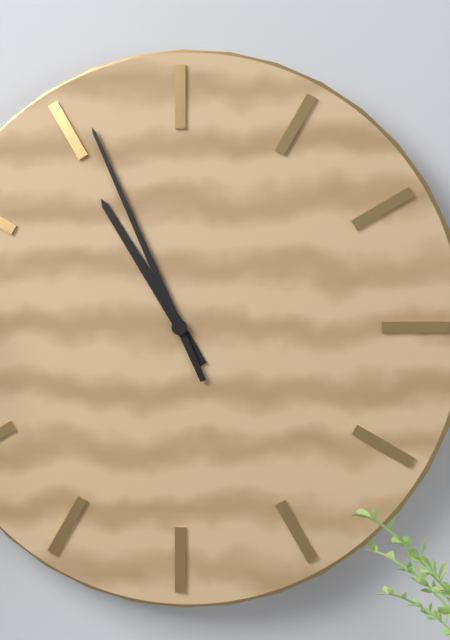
10:56
